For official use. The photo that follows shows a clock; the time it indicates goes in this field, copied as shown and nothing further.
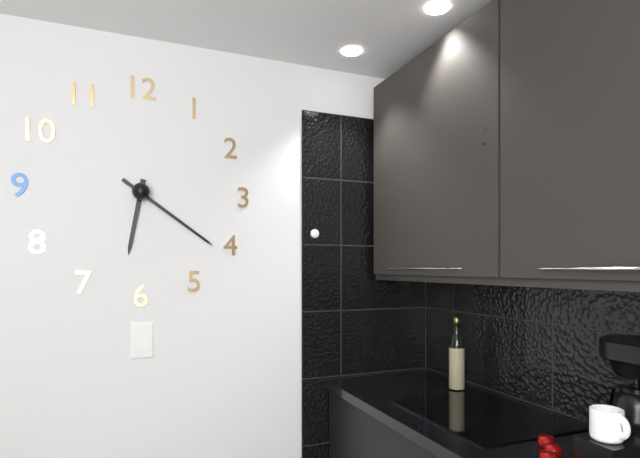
6:21
